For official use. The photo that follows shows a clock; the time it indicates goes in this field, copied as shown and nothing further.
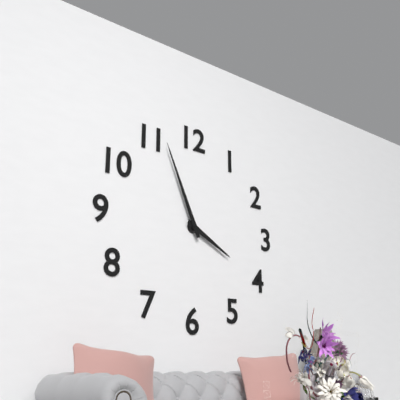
3:56
